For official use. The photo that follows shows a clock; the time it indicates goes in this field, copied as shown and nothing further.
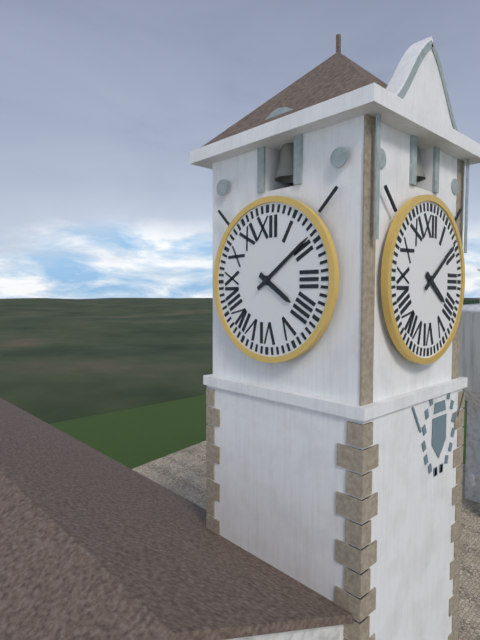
4:09
